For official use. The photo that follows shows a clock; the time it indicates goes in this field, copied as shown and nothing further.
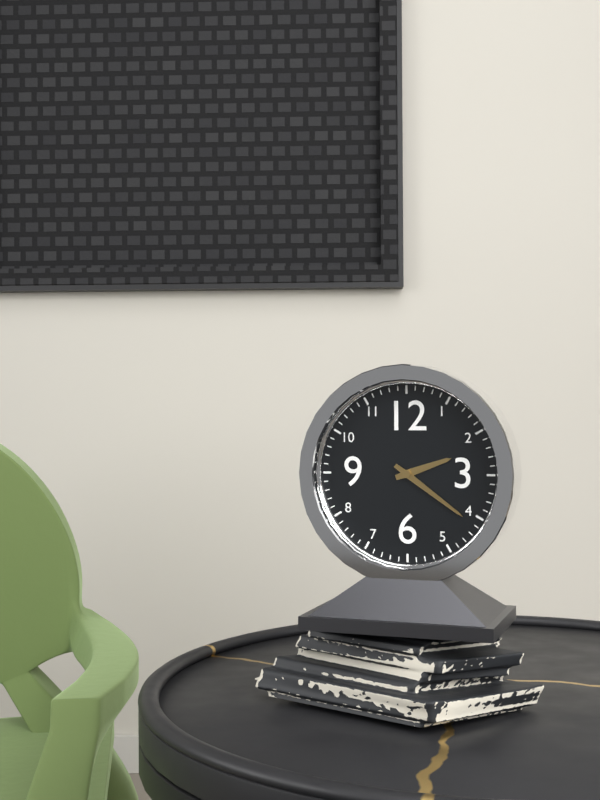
2:21
